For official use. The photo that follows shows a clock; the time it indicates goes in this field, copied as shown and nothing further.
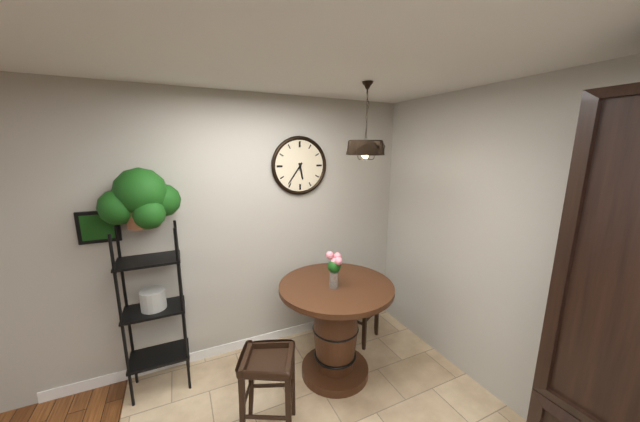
5:36
